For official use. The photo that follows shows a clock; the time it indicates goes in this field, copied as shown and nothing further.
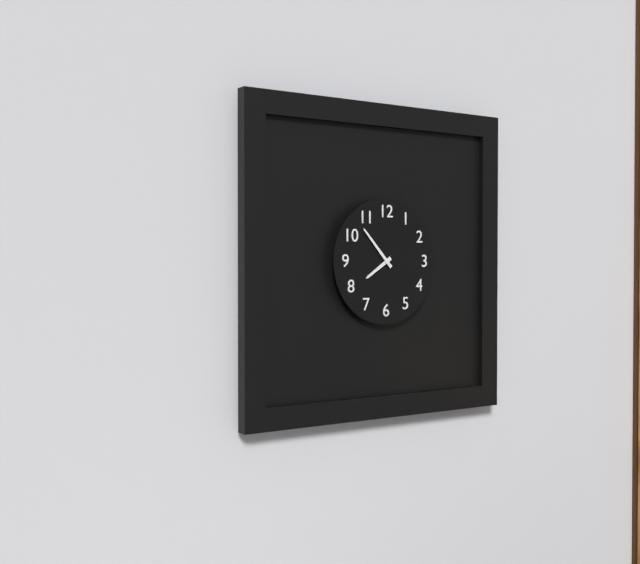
7:53
